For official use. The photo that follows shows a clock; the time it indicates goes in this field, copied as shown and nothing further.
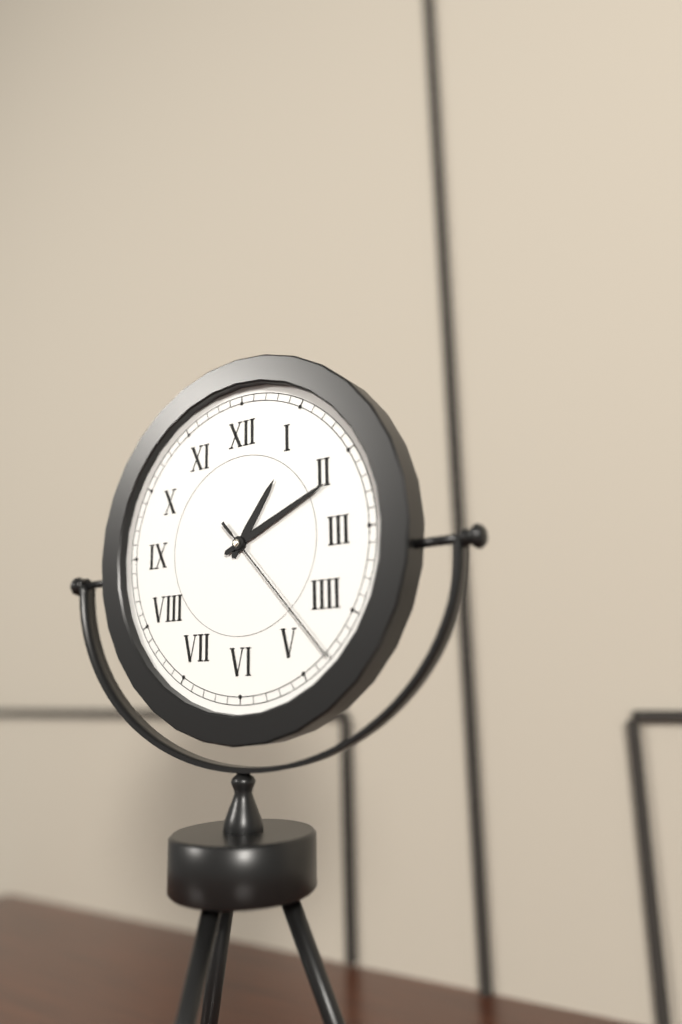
1:11:23
